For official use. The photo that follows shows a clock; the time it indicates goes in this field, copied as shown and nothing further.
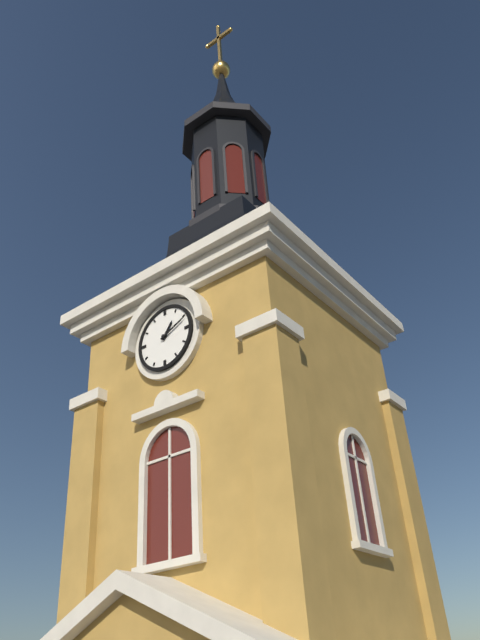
1:11
